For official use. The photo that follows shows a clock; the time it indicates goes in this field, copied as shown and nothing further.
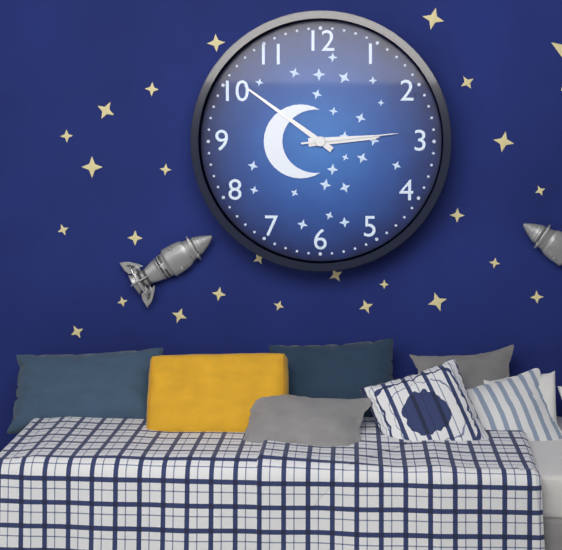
2:51:14
